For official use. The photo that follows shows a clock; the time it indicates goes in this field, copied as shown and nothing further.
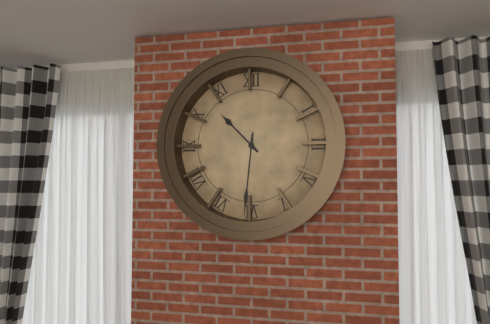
10:31
